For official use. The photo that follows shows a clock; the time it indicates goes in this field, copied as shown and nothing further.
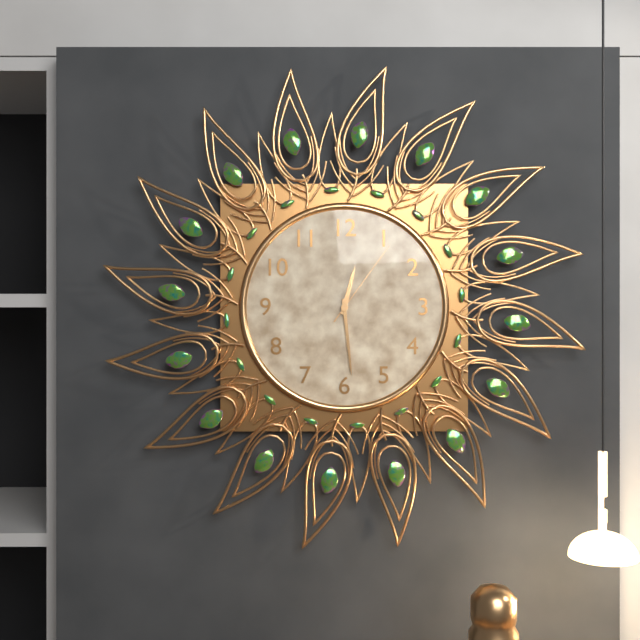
12:29:06
